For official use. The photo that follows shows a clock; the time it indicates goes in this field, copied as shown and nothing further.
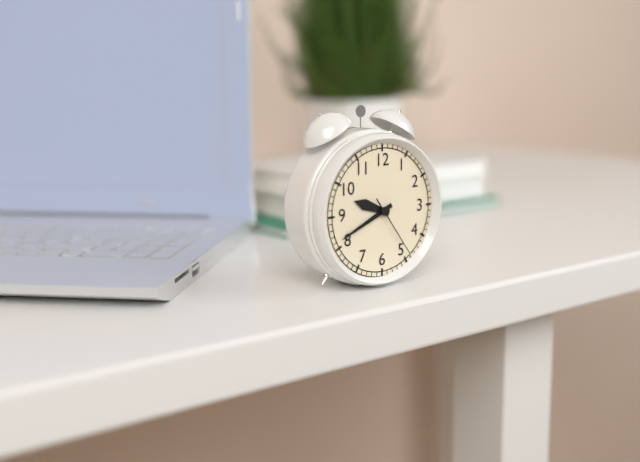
9:41:24
